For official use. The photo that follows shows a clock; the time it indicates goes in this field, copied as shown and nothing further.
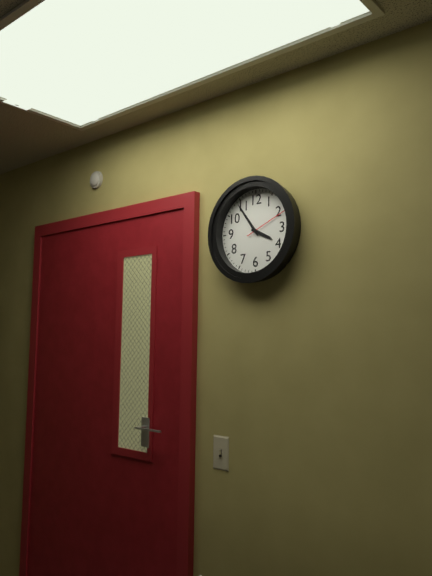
3:54
